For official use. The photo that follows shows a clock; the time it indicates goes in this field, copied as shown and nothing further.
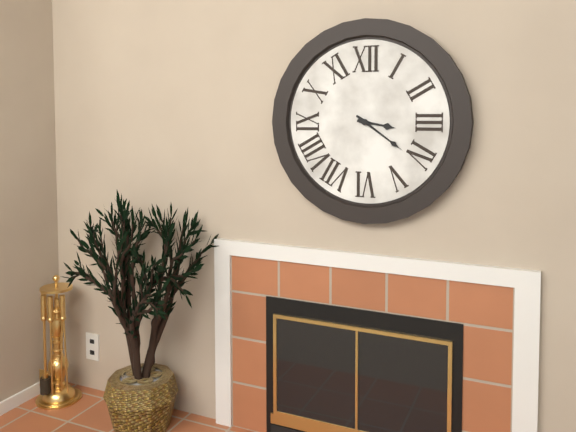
3:21
